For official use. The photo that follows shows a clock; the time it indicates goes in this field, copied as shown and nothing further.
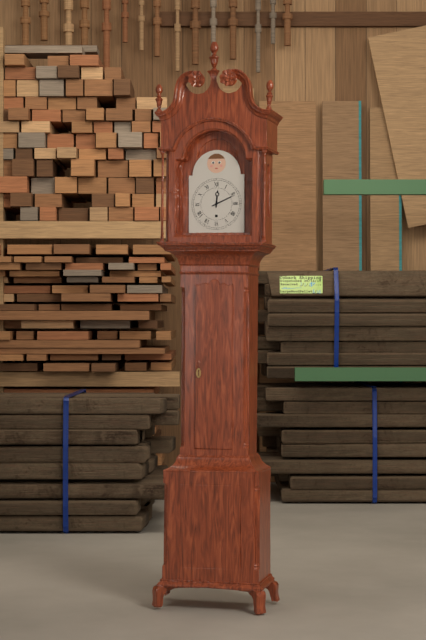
12:11
